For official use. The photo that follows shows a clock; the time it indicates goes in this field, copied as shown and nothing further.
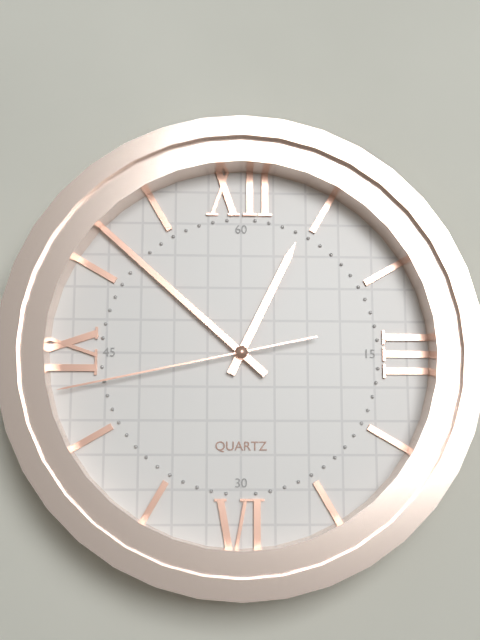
12:52:43
